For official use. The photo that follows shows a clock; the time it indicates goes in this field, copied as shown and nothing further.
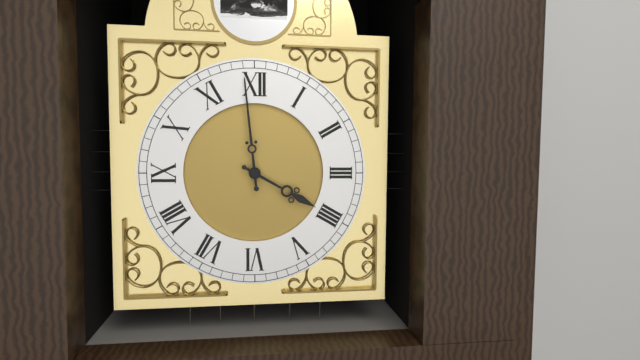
3:59
